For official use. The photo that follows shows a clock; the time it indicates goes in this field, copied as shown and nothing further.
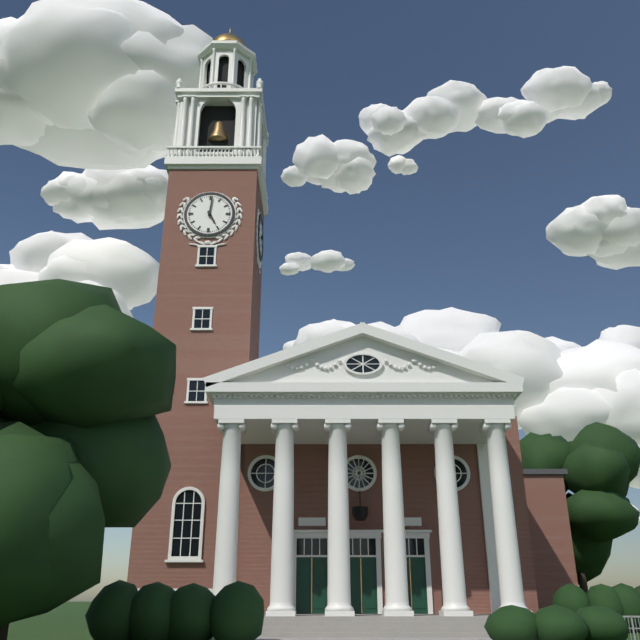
5:01
